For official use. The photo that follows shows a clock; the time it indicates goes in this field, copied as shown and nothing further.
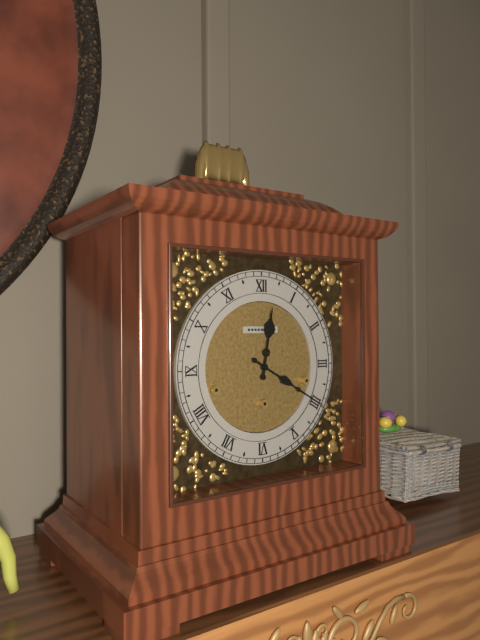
12:20
